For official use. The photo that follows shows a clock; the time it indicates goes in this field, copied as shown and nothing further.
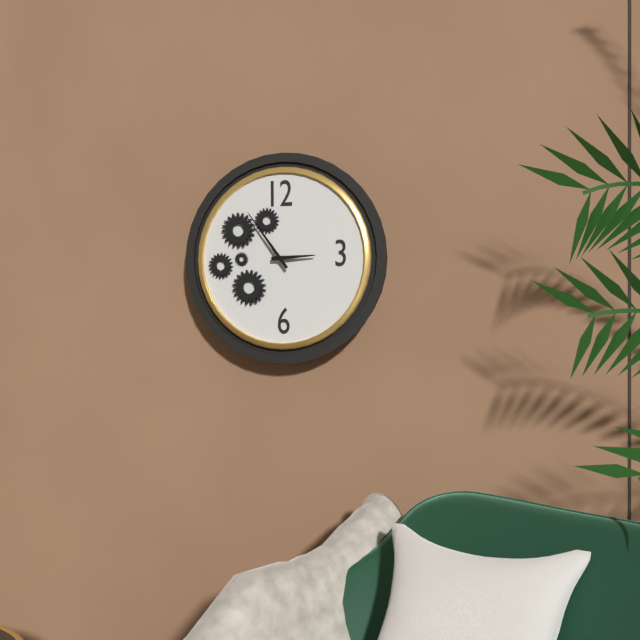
2:54
